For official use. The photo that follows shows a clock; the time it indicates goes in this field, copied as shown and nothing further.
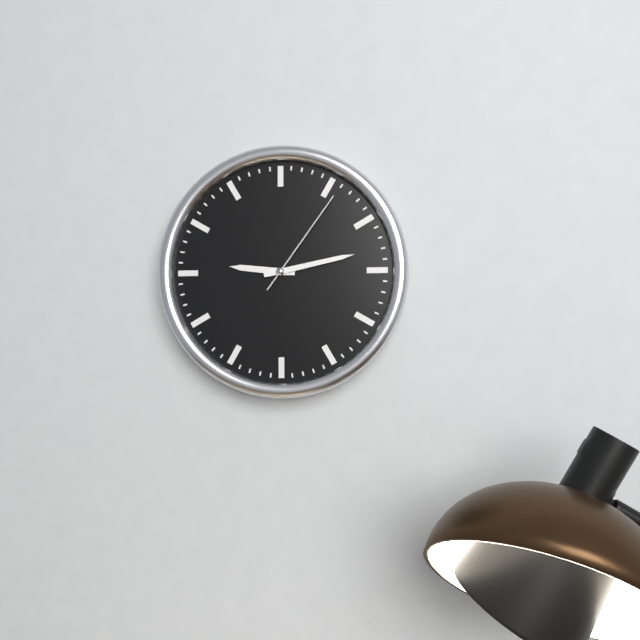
9:13:06
